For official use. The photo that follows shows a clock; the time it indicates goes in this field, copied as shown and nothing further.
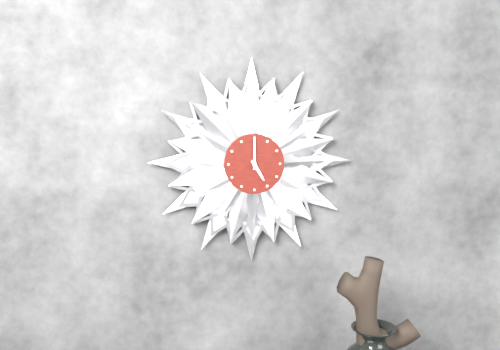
5:00
